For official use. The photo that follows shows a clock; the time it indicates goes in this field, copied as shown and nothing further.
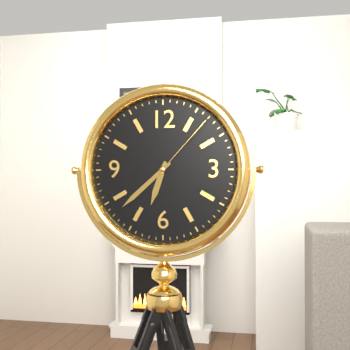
6:38:07
